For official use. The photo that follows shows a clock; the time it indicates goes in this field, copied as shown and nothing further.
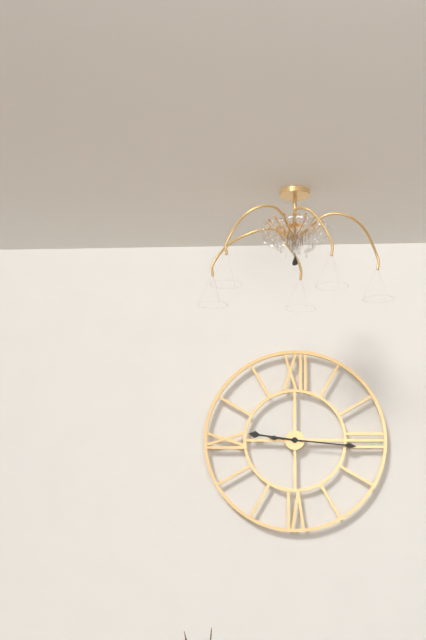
9:16
